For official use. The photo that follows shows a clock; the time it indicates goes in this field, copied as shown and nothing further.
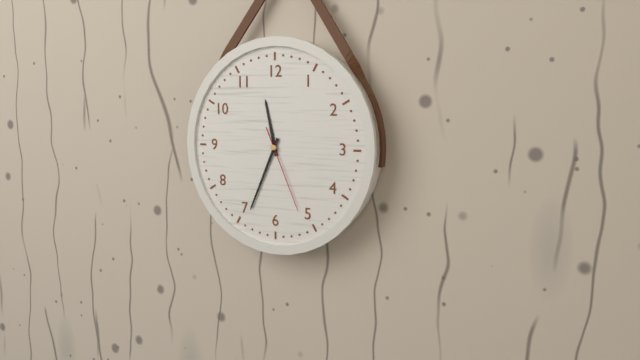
11:34:26
